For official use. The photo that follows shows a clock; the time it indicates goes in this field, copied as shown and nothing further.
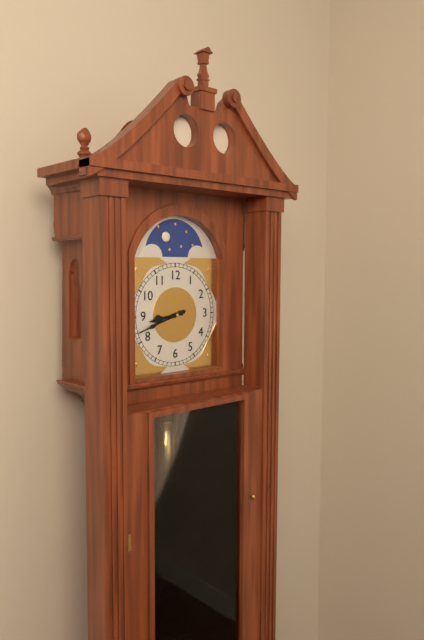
8:42
